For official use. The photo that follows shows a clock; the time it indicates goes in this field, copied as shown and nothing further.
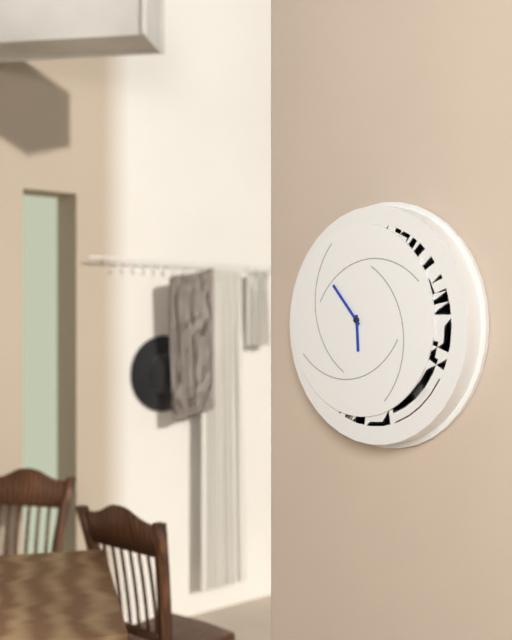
5:53
